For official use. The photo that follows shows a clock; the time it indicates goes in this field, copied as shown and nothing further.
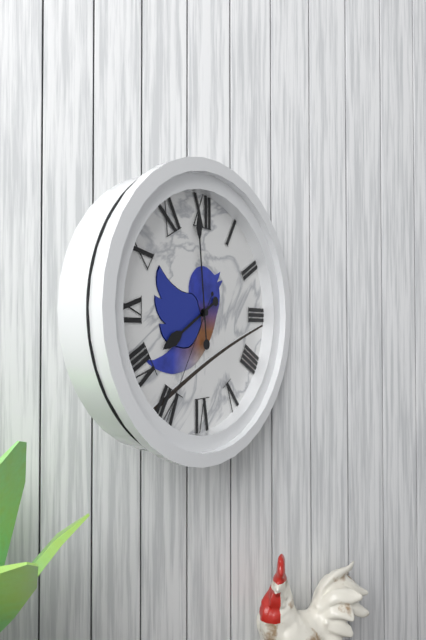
7:59:35
